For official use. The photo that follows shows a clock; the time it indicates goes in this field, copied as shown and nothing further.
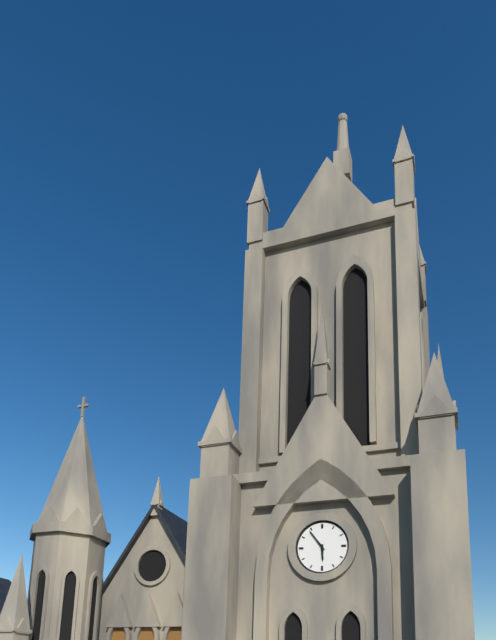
5:54
